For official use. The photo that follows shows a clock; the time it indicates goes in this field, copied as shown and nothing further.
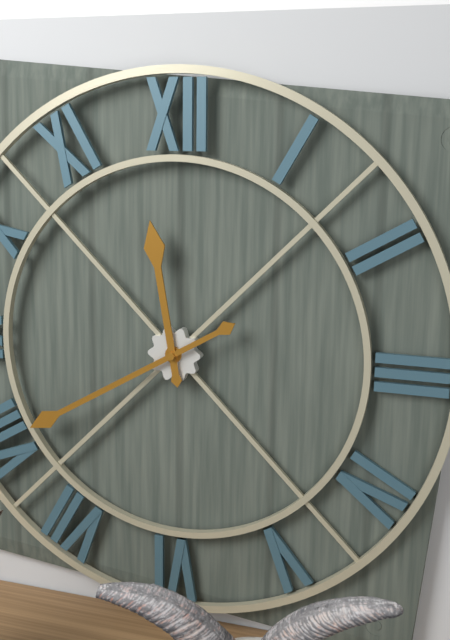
11:40
